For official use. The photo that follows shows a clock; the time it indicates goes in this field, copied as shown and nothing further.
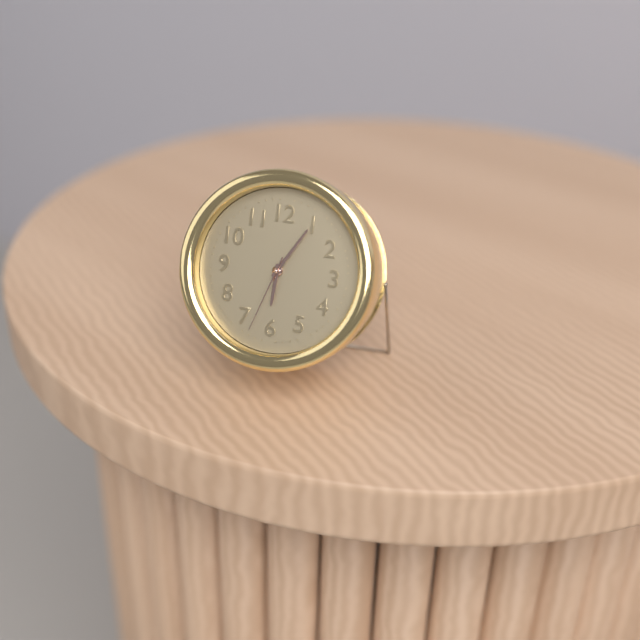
6:05:33
